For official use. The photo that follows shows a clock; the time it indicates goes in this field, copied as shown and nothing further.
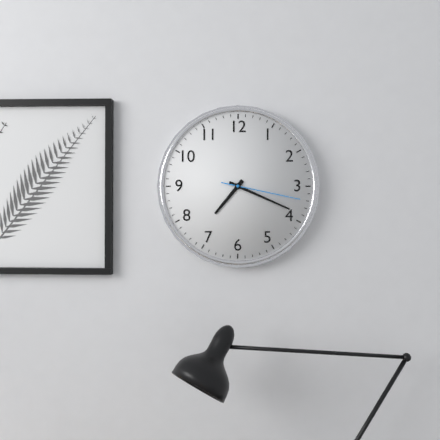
7:19:17
